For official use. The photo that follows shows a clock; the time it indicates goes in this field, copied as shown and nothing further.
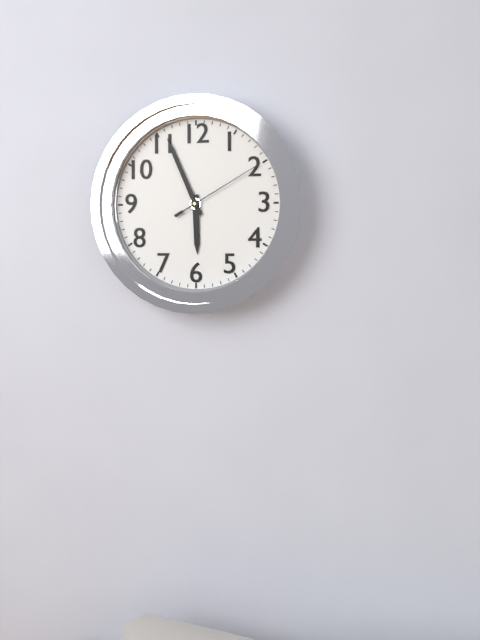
5:56:10
